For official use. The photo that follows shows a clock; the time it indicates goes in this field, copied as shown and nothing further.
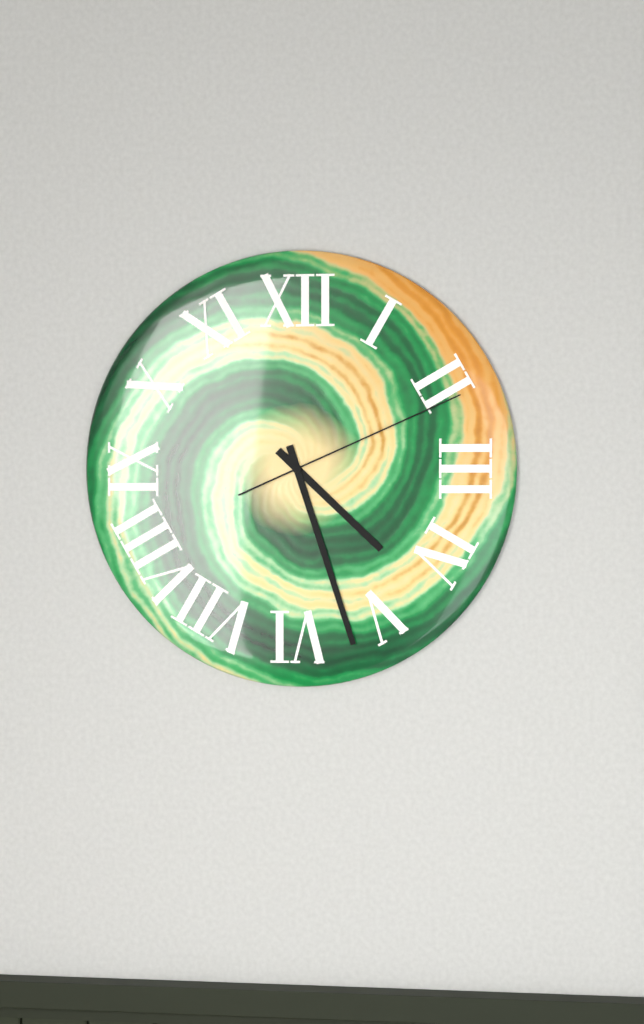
4:27:11
